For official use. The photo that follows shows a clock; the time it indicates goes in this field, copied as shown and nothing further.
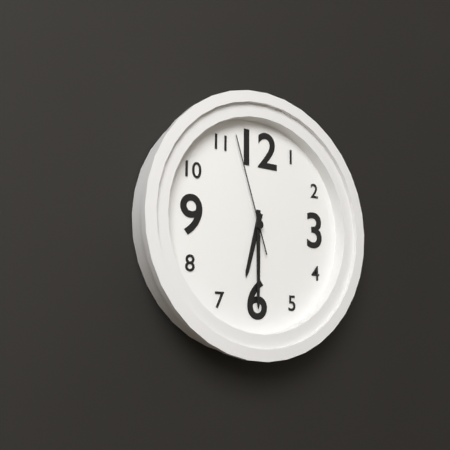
6:30:57
